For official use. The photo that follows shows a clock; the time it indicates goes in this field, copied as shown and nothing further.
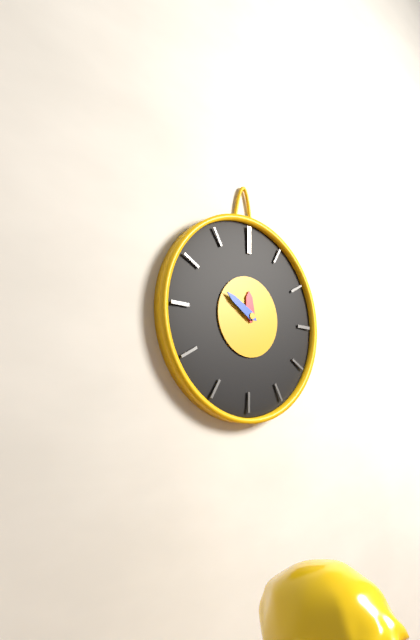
11:50
